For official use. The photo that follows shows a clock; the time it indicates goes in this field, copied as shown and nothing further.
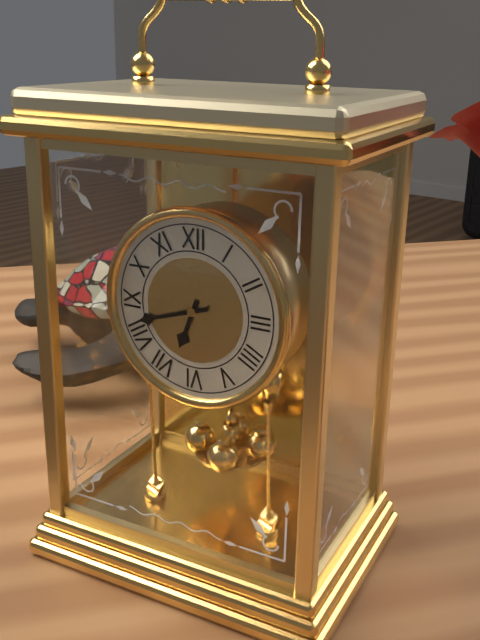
6:42
